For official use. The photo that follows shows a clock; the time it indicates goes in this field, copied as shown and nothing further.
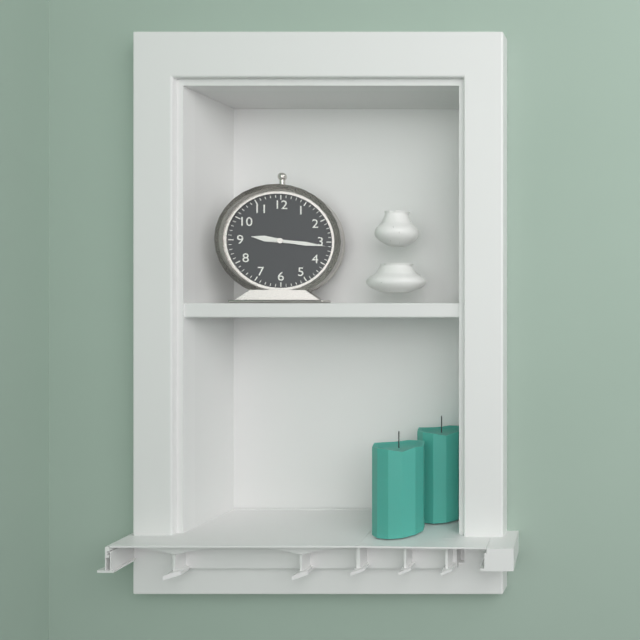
9:16
